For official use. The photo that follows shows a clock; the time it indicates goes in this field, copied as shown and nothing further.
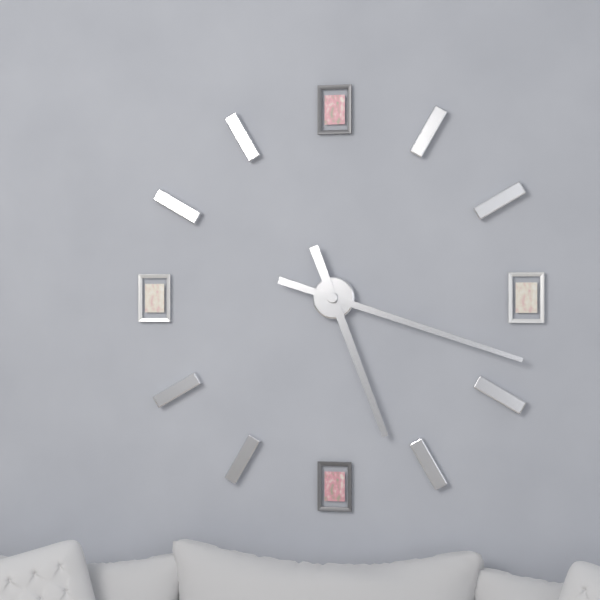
5:18
